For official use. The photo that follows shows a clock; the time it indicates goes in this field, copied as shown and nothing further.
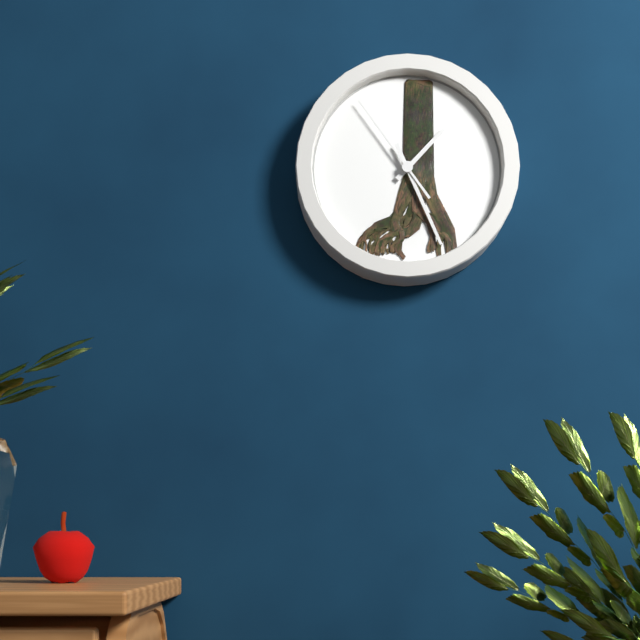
1:26:54
